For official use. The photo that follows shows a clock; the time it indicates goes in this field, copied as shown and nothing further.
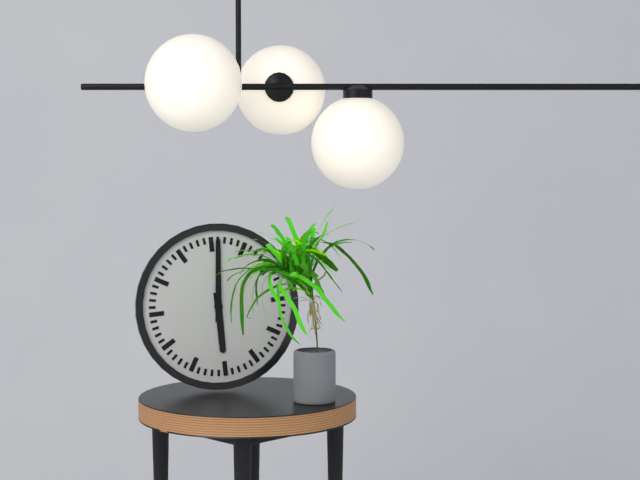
6:01
